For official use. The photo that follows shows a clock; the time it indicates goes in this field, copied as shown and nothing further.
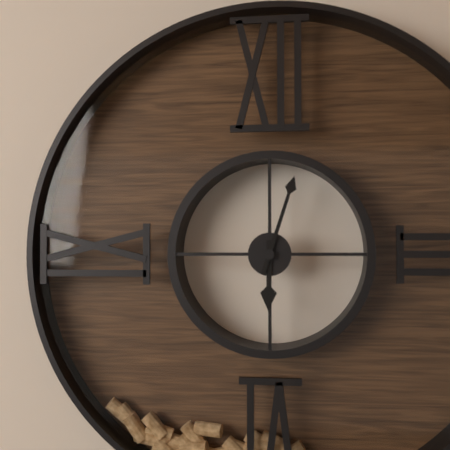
6:03
